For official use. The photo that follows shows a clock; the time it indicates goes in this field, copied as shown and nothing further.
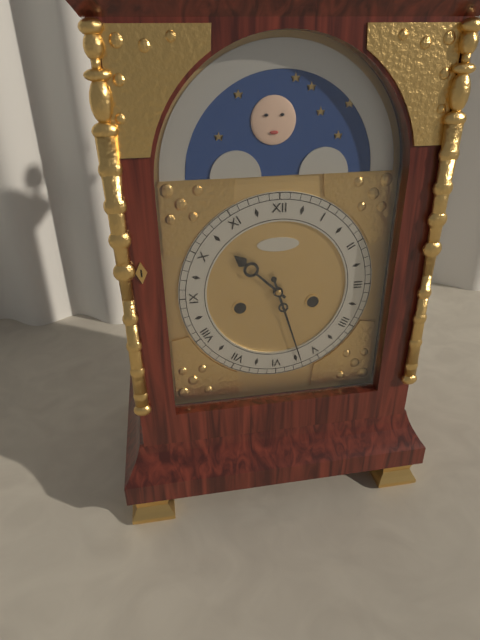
10:27
